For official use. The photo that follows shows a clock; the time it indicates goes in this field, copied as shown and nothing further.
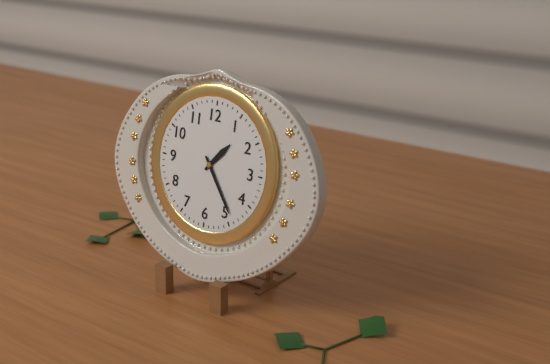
1:24
